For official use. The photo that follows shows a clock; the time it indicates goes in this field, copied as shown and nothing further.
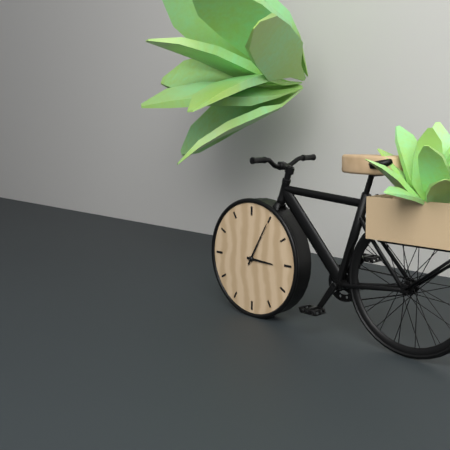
3:05
